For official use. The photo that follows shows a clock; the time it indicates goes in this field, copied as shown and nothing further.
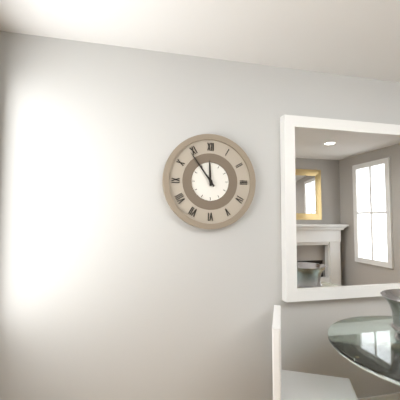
11:54
